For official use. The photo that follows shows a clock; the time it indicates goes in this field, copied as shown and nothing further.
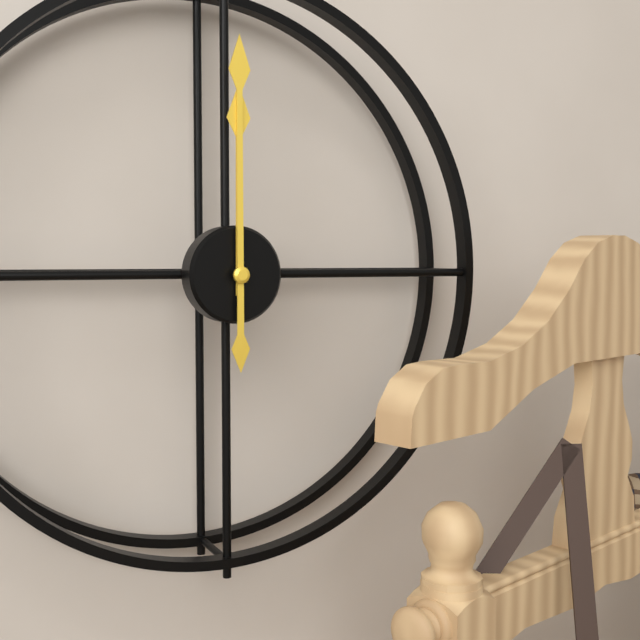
12:00
